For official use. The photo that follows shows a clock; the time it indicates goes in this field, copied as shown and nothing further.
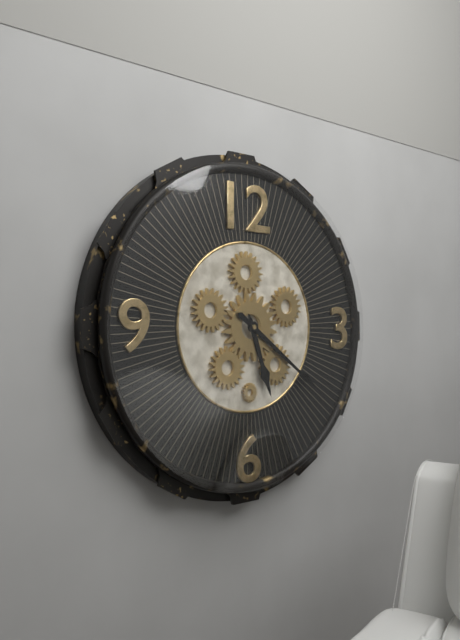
5:21
